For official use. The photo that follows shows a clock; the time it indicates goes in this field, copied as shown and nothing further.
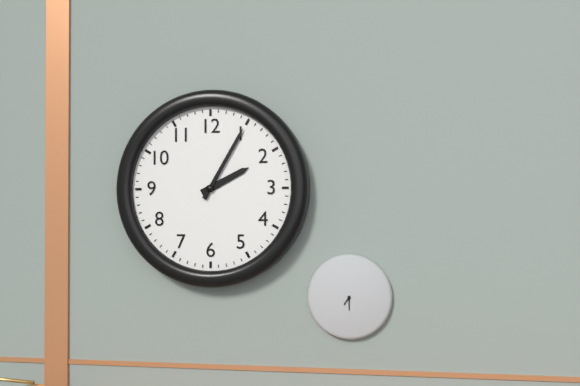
2:05
